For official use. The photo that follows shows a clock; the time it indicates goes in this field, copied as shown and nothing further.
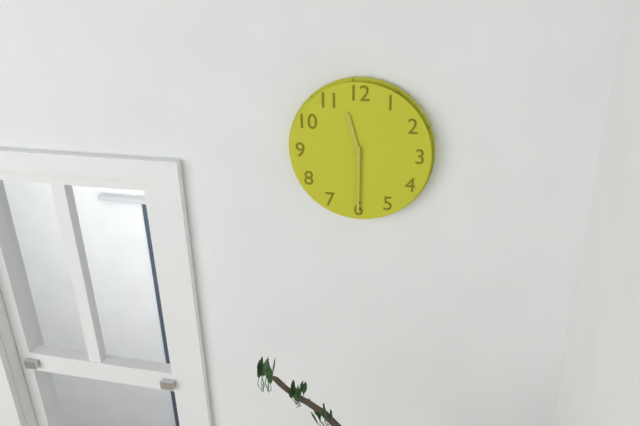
11:30
